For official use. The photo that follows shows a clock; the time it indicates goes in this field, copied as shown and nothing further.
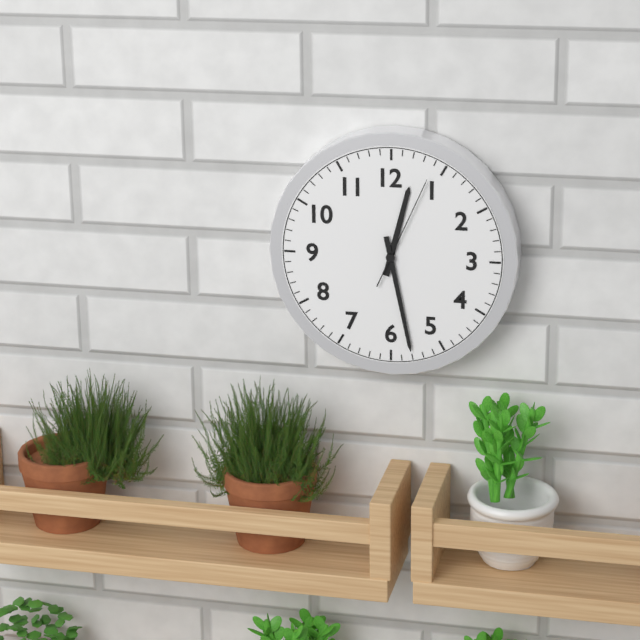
12:28:04
